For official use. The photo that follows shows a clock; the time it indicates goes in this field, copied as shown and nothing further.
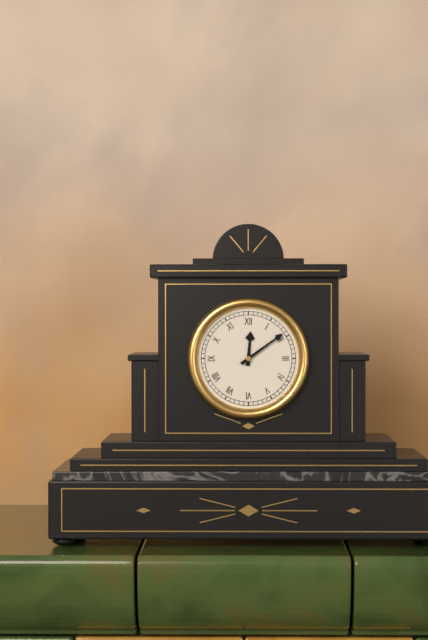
12:09
